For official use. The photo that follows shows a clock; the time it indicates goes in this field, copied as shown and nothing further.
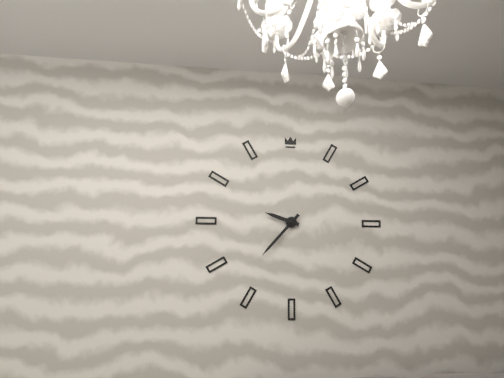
9:37
